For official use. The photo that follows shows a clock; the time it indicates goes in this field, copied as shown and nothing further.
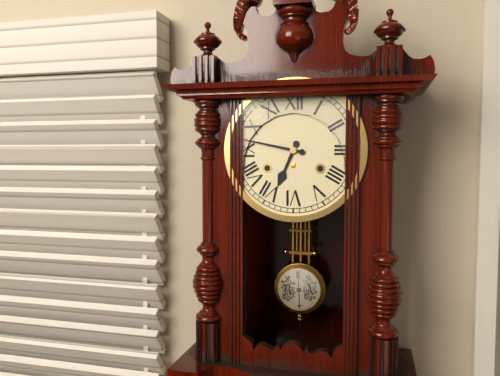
6:47
